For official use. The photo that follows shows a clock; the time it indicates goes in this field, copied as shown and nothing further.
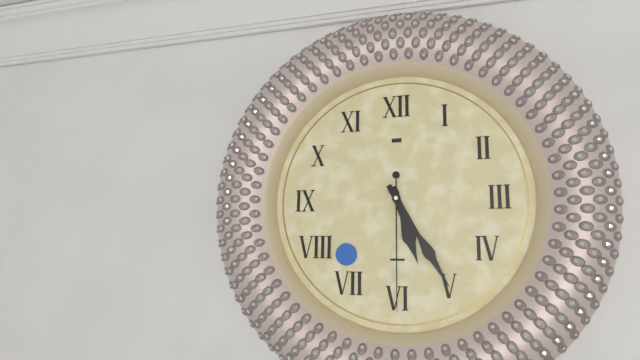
5:25:30
